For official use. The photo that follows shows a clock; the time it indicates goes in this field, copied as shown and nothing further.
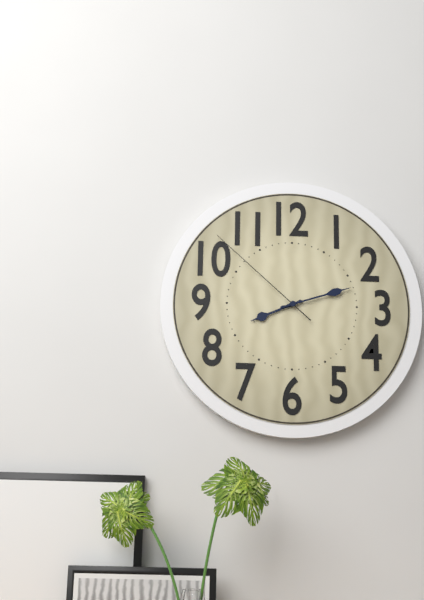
8:12:52
